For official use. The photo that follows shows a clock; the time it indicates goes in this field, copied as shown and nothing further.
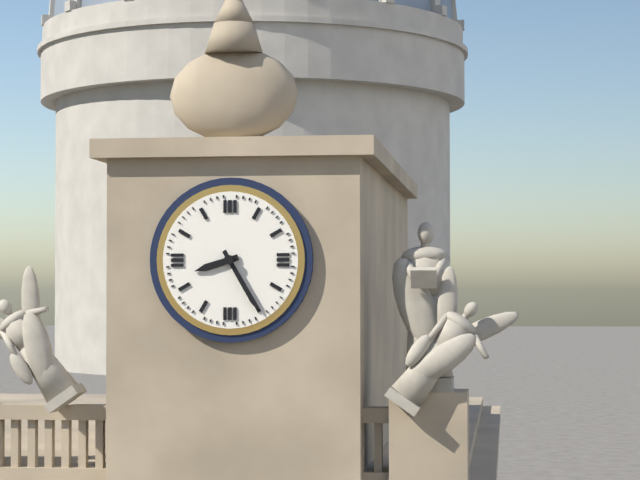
8:25
